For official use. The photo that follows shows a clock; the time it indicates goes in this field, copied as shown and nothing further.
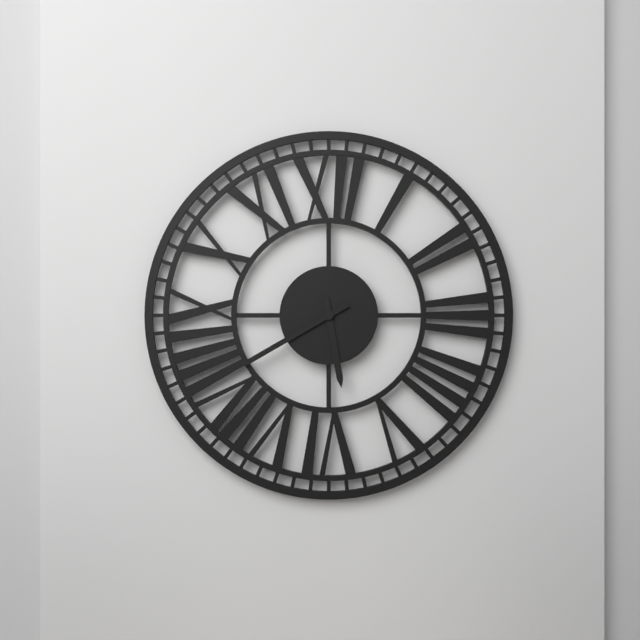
5:40
